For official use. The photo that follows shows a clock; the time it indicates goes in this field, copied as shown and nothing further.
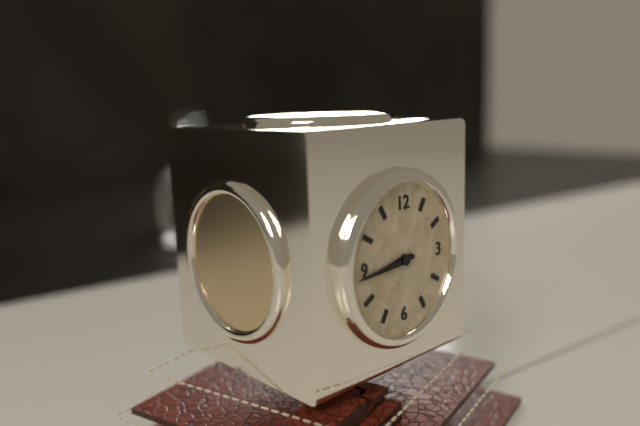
8:44
